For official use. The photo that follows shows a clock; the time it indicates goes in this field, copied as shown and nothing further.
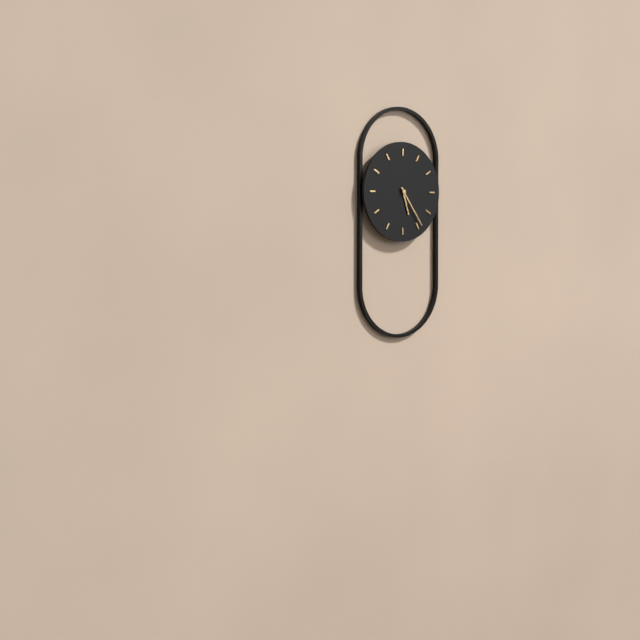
5:24
